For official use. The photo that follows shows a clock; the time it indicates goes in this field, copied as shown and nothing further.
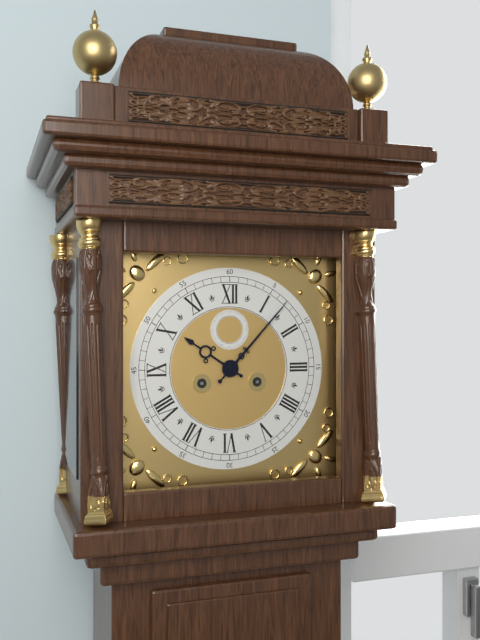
10:07
